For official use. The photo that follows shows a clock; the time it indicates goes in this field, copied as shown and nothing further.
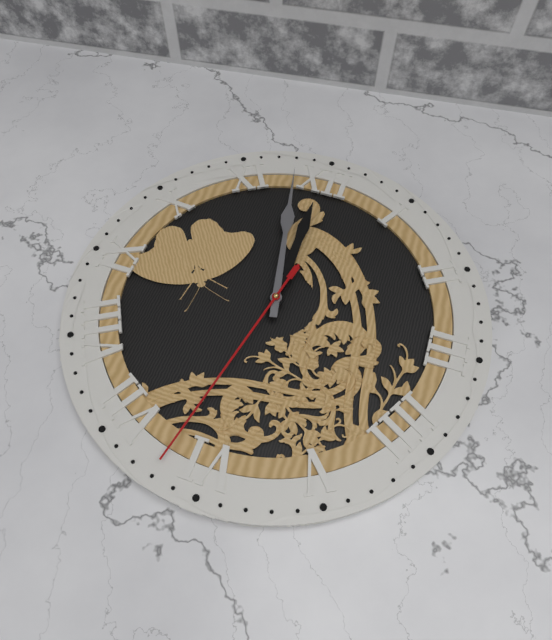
11:58:32
